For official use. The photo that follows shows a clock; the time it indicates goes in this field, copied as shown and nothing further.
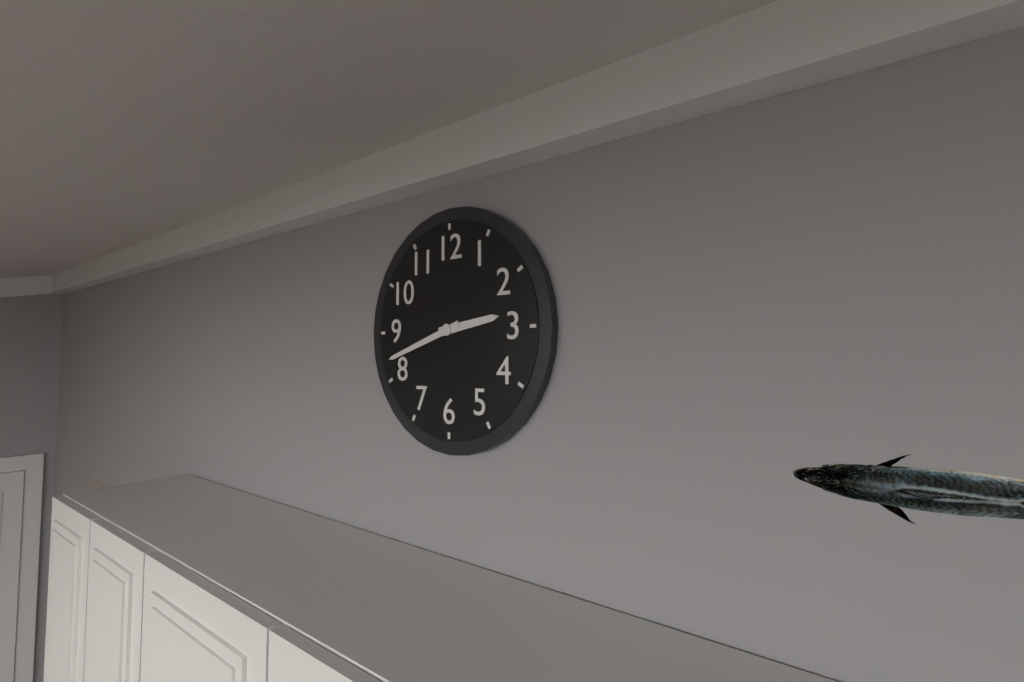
2:42
